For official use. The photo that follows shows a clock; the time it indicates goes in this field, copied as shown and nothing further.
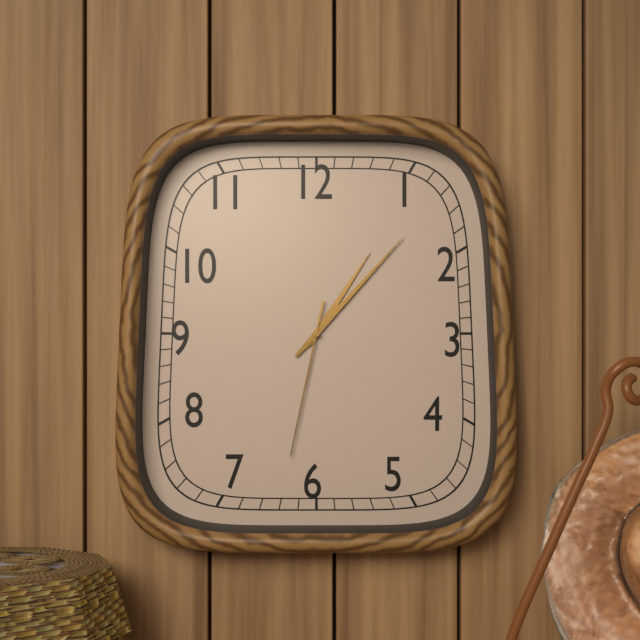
1:07:32
